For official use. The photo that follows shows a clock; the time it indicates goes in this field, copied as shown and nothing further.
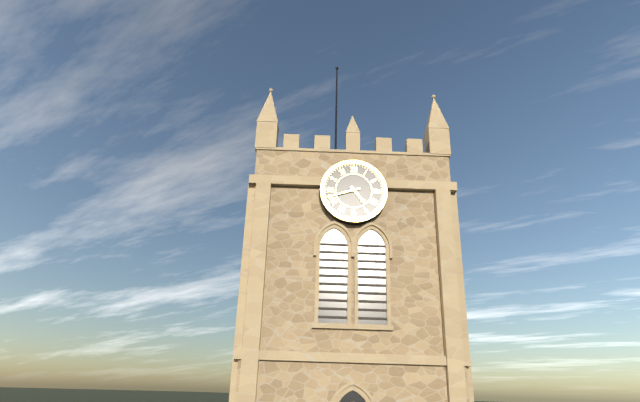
4:42
